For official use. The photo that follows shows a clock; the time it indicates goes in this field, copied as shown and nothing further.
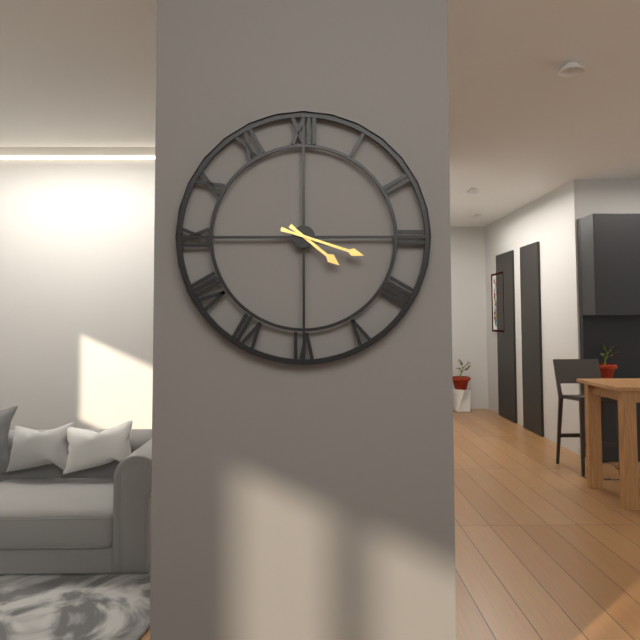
4:18
